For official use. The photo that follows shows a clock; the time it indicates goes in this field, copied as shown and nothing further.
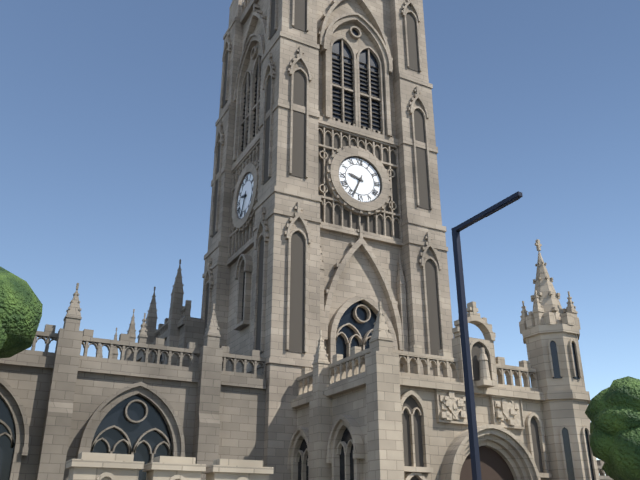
9:34
